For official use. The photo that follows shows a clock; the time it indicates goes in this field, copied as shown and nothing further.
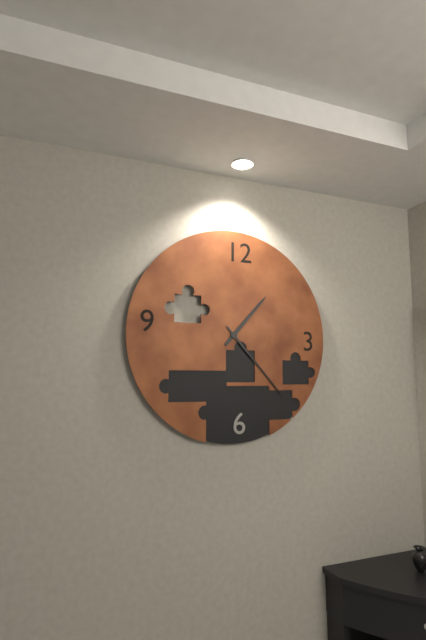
1:23
